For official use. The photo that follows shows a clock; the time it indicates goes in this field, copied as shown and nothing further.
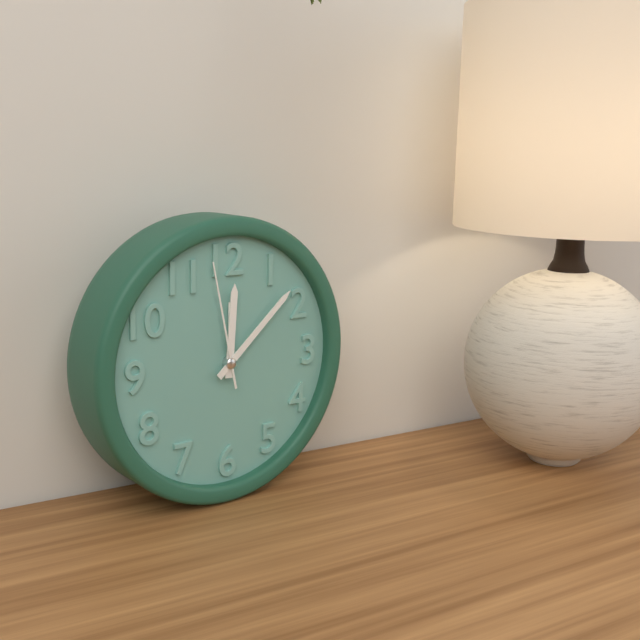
12:08:58
